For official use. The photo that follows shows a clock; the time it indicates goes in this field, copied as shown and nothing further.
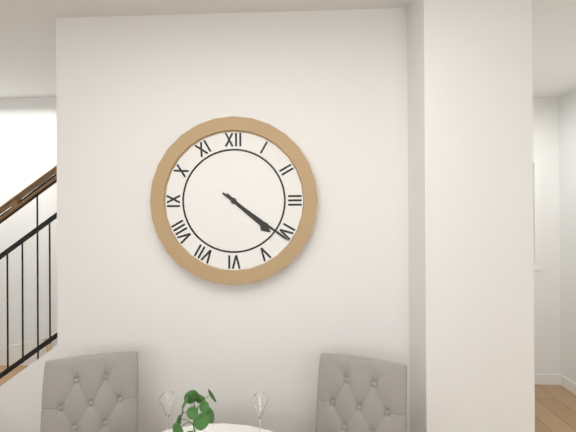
4:21
